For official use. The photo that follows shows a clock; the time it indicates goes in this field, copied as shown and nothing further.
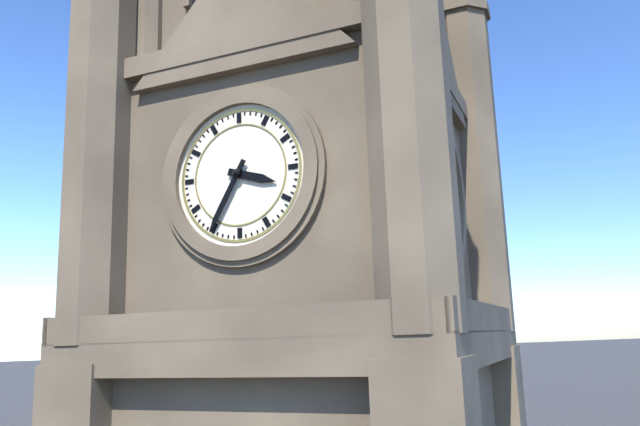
3:35
